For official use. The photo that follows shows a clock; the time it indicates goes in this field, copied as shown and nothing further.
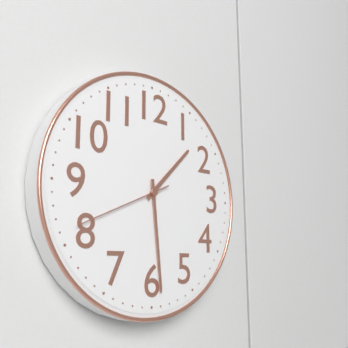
1:29:41
